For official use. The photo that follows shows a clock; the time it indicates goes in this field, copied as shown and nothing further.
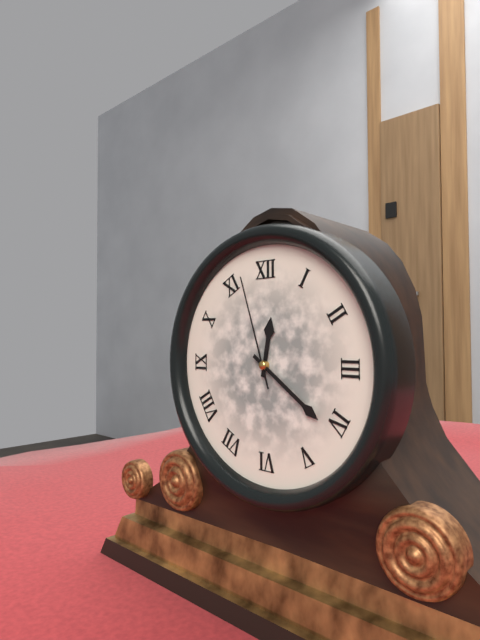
12:21:57
